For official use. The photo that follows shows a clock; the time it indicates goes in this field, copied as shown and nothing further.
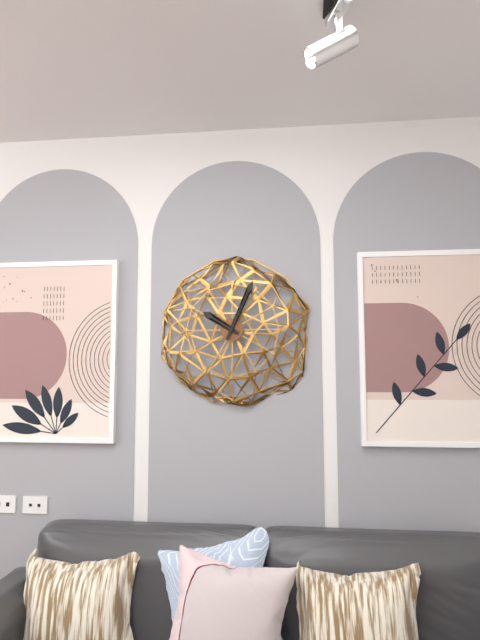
10:04
